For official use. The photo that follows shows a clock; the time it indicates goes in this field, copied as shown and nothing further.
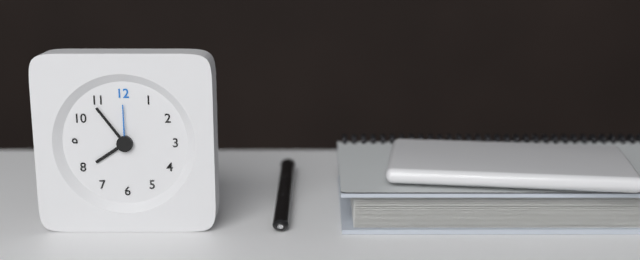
7:54
